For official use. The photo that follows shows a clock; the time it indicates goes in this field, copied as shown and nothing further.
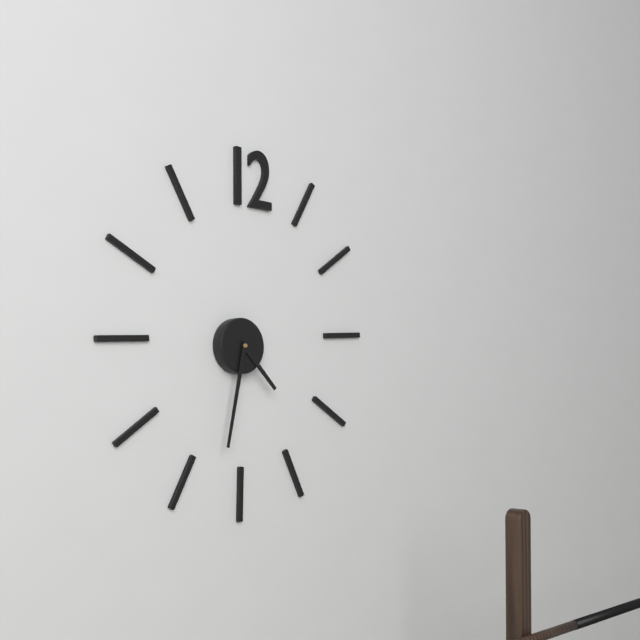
4:32
